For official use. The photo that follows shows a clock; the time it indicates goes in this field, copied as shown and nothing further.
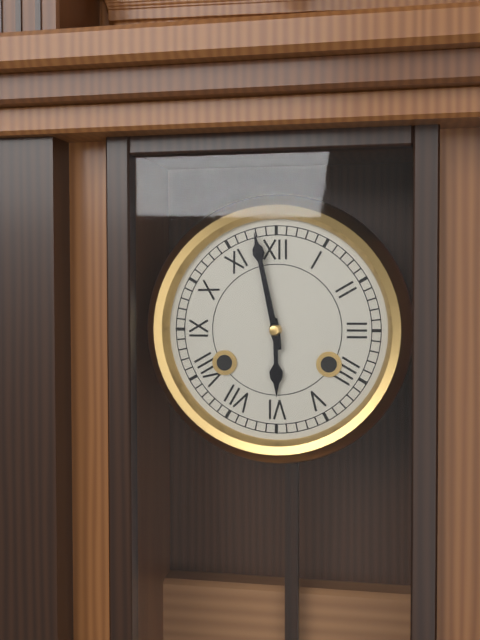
5:58
